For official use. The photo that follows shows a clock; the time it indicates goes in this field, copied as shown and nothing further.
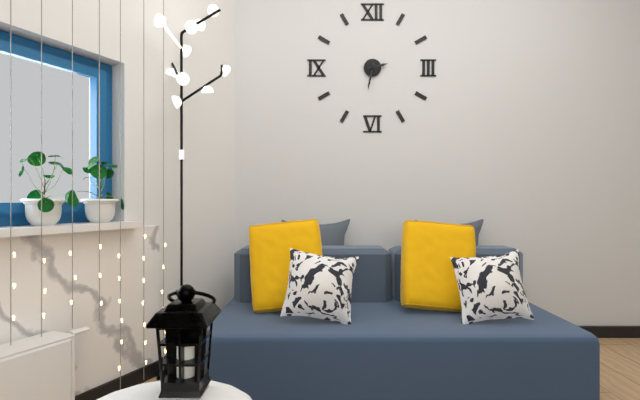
2:32
